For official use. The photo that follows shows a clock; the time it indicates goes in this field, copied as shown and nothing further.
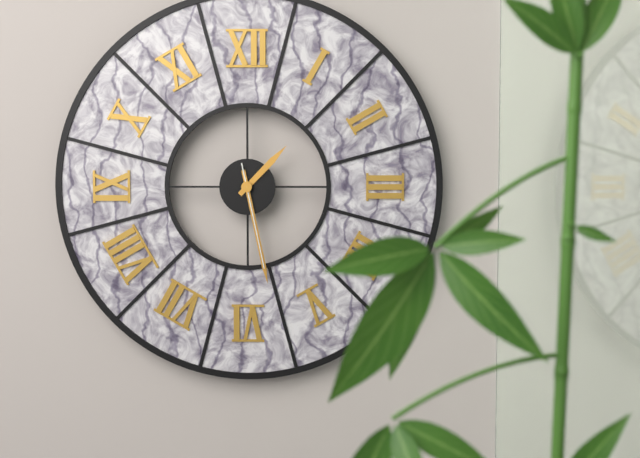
1:28:28
